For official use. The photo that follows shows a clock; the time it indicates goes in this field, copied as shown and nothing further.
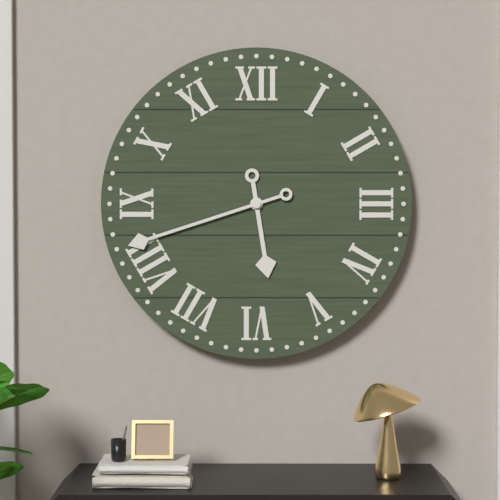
5:42
